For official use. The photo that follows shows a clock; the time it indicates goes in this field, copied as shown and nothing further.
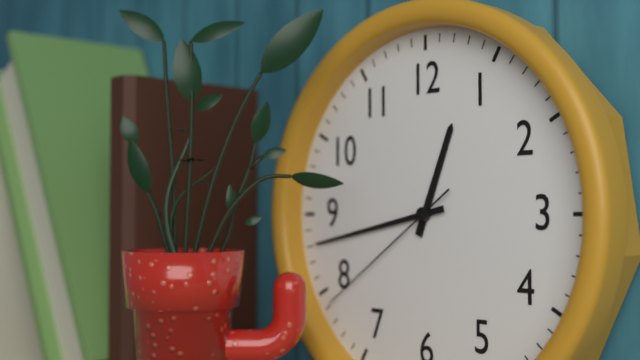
12:43:39
